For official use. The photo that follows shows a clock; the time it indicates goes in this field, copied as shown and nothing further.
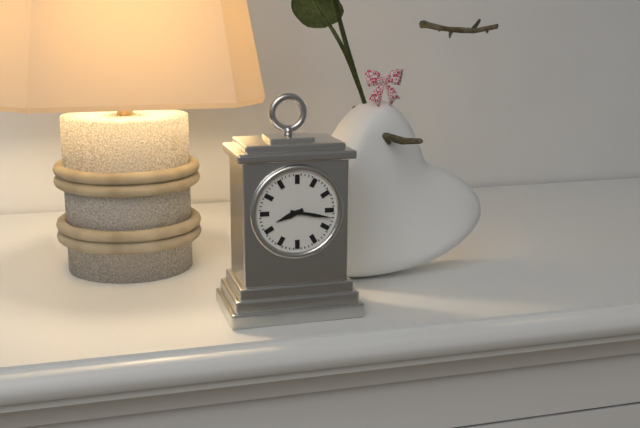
8:17
